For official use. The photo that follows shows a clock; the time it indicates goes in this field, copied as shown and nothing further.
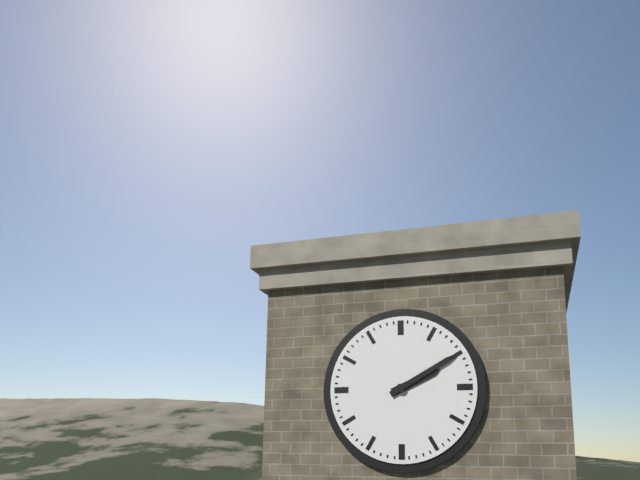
2:10
